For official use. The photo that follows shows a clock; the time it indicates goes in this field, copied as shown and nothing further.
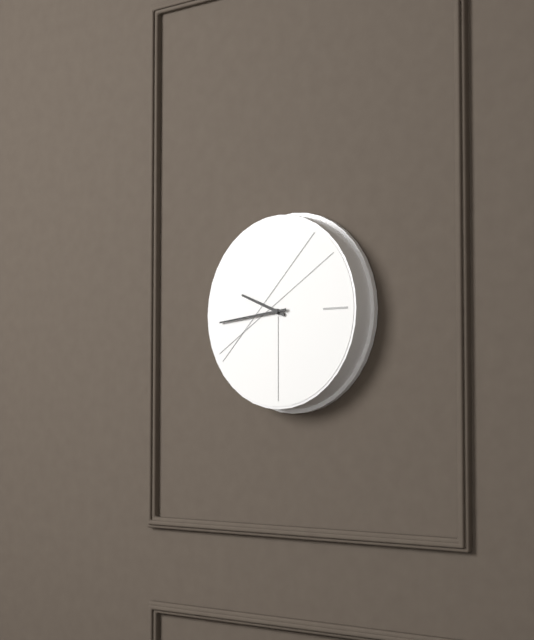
9:44
